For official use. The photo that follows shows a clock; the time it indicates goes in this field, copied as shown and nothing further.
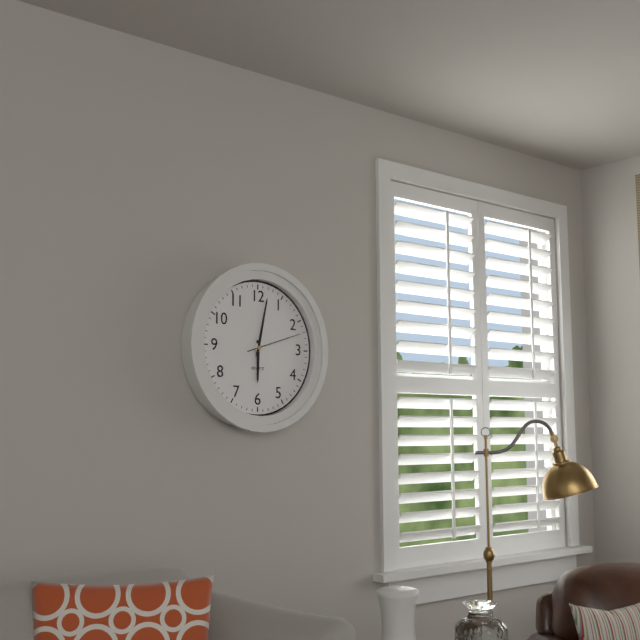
6:02:12
